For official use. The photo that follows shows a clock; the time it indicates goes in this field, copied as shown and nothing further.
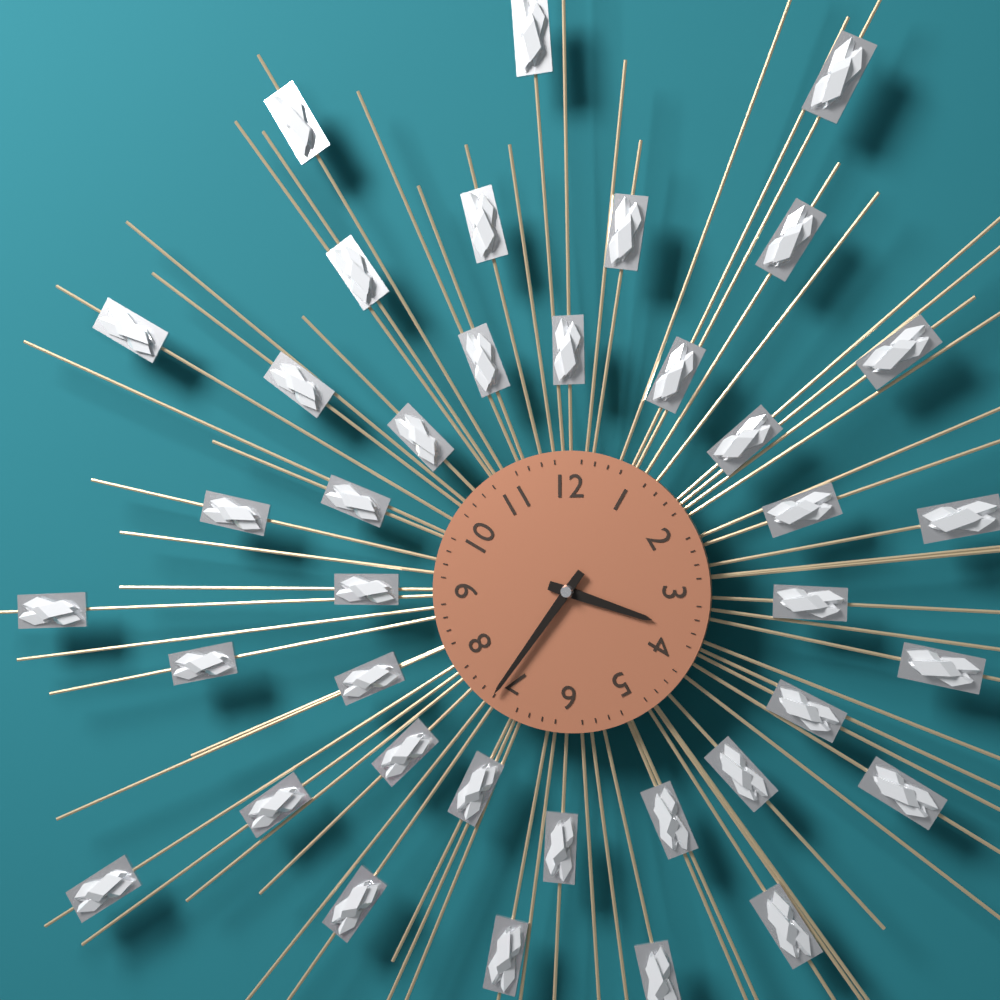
3:36
